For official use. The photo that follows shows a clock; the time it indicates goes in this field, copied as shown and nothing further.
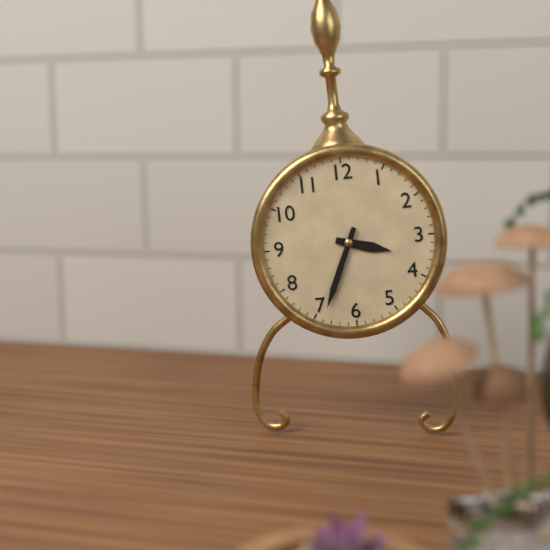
3:34
